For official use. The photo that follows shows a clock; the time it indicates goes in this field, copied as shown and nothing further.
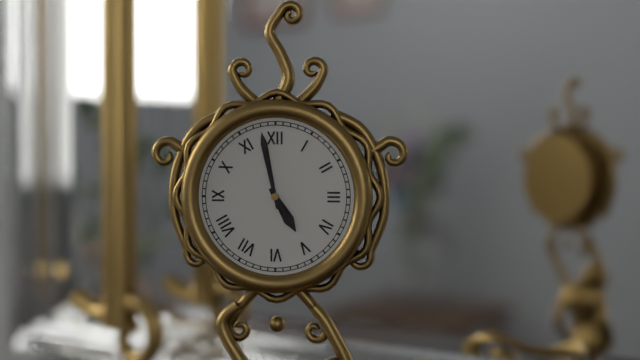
4:58
